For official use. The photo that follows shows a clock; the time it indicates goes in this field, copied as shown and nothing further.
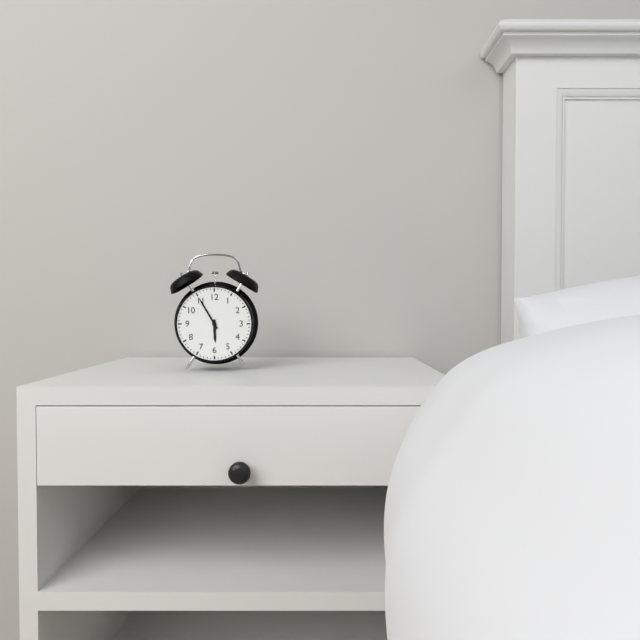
5:55
